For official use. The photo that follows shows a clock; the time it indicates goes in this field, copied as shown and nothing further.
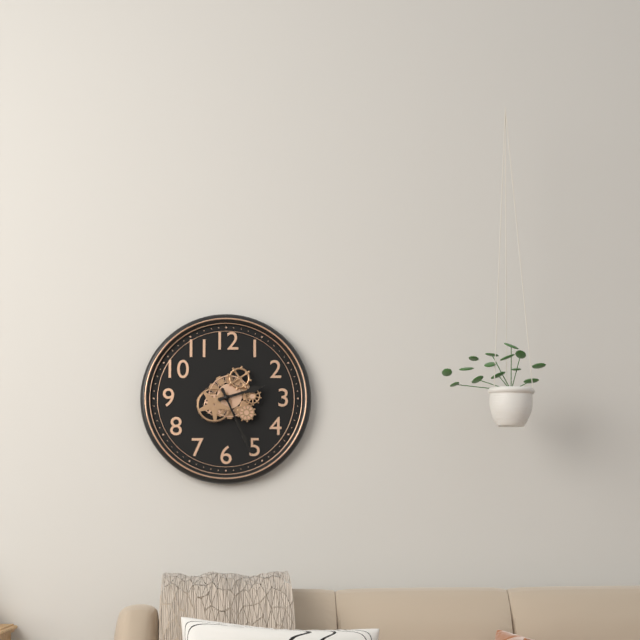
2:26
